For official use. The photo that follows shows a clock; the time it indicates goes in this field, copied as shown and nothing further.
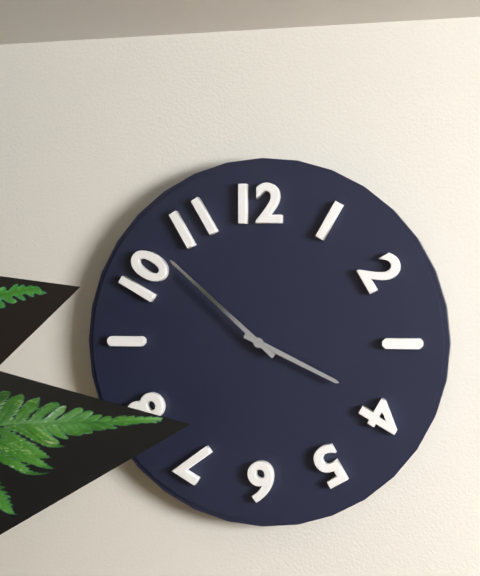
3:52
